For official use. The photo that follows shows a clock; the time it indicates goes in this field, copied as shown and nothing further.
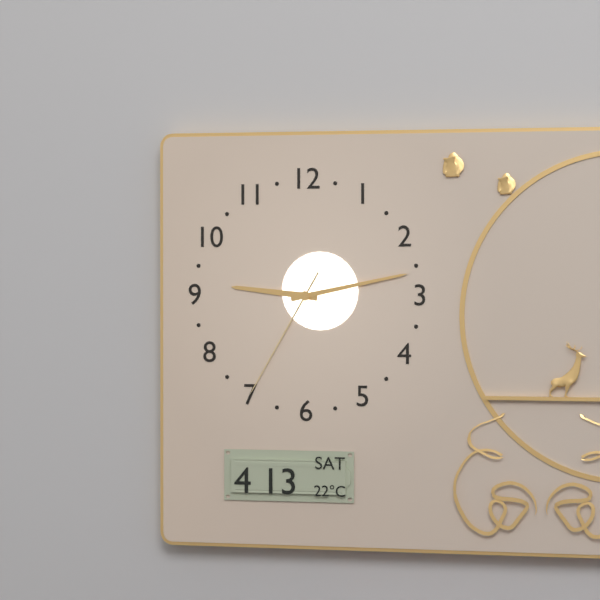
9:13:35
